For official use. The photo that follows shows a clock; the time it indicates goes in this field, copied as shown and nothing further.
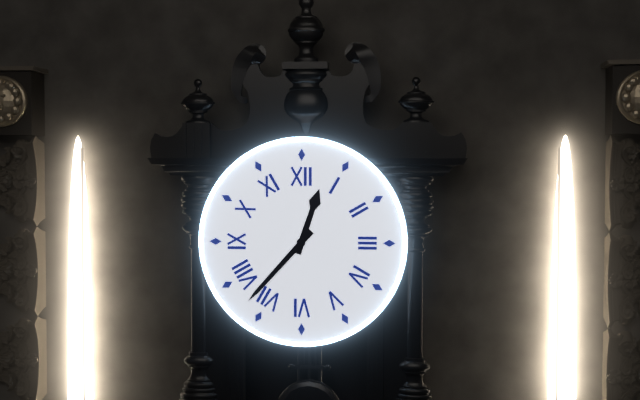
12:37
